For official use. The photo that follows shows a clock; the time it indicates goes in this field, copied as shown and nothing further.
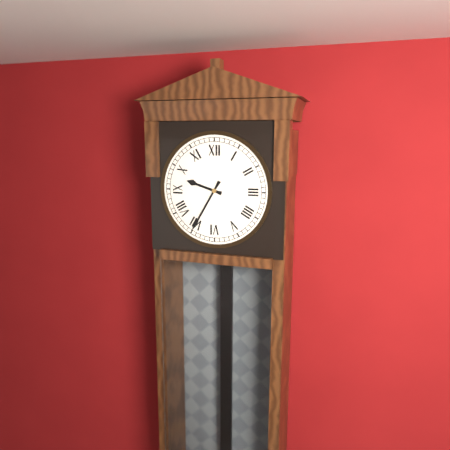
9:35
